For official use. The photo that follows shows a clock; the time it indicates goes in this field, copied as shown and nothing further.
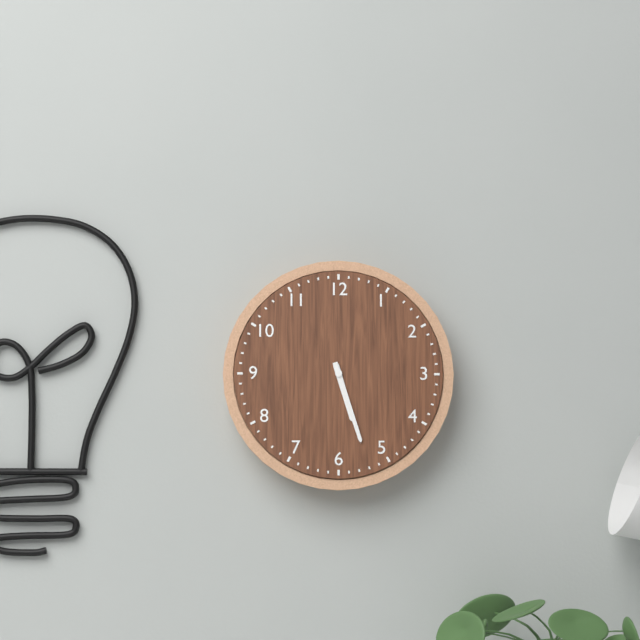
5:27
